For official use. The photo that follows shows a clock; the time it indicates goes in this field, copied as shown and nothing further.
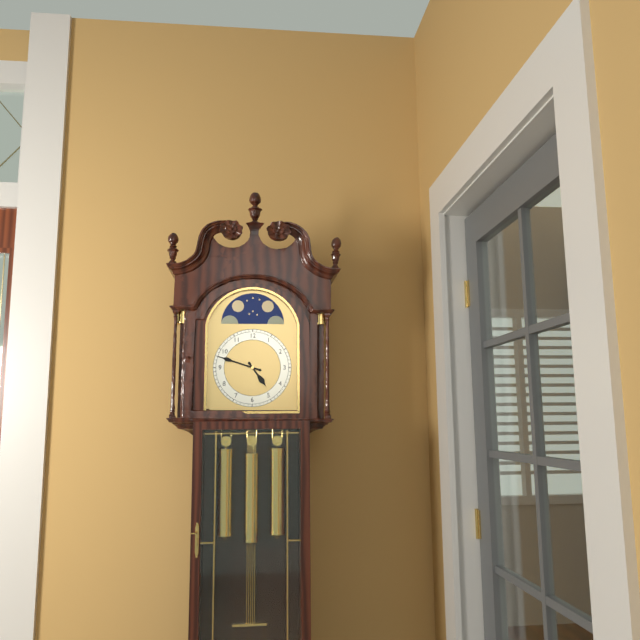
4:48
